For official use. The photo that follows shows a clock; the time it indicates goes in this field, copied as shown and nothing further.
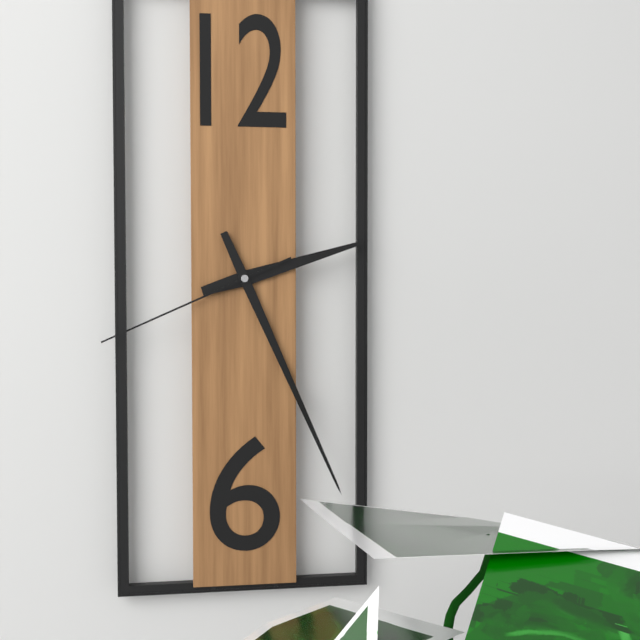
2:26:41
